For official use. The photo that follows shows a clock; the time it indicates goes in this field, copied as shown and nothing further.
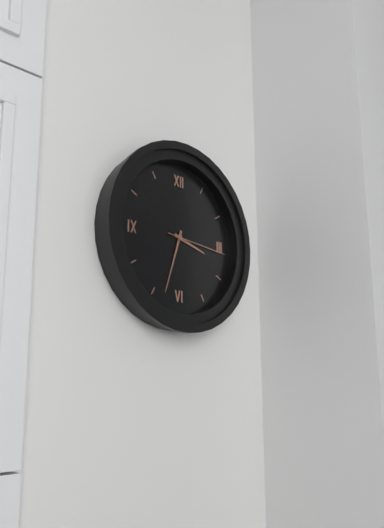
3:33:16
